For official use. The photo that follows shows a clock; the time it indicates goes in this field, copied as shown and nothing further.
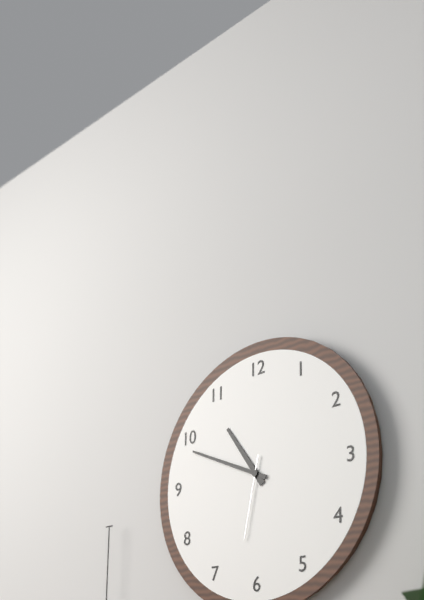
10:49:32
